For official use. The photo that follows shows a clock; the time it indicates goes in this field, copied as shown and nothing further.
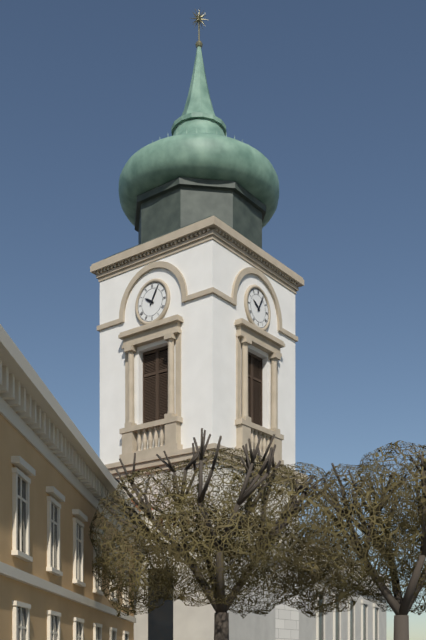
10:05
